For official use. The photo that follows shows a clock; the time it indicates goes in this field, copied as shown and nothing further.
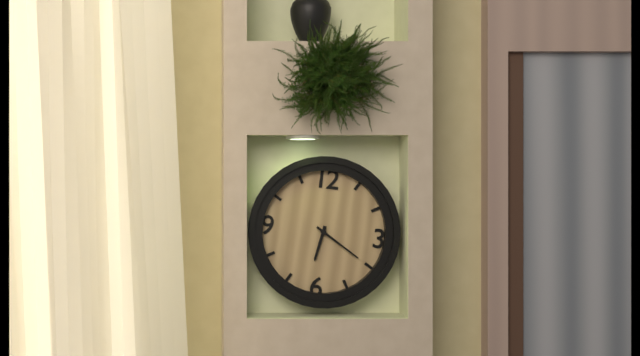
6:20
